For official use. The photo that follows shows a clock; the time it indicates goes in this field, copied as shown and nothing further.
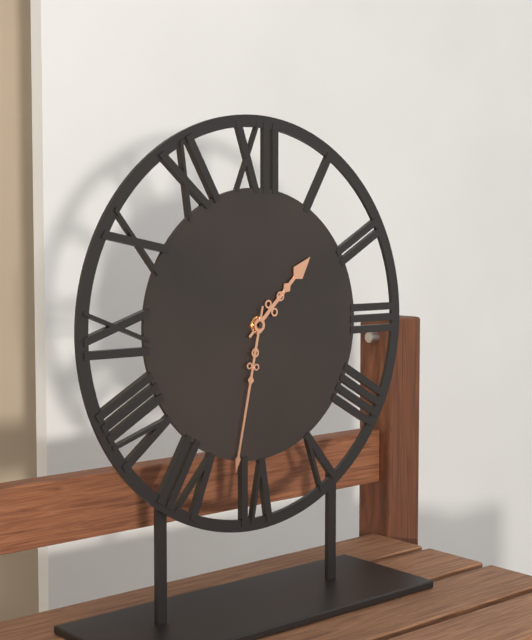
1:32
